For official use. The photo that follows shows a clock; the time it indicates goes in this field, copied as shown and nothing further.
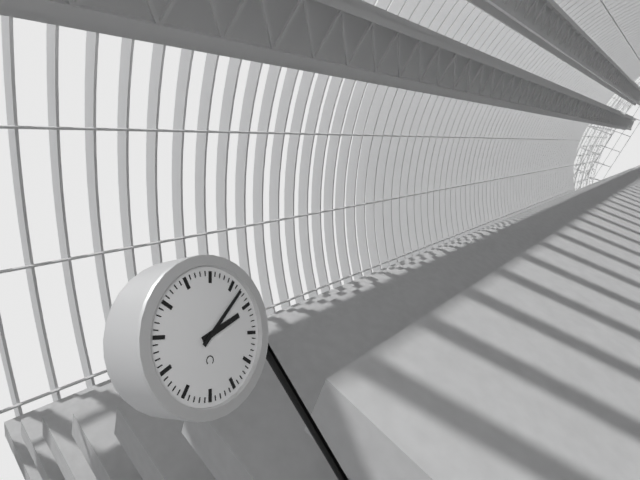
2:07
